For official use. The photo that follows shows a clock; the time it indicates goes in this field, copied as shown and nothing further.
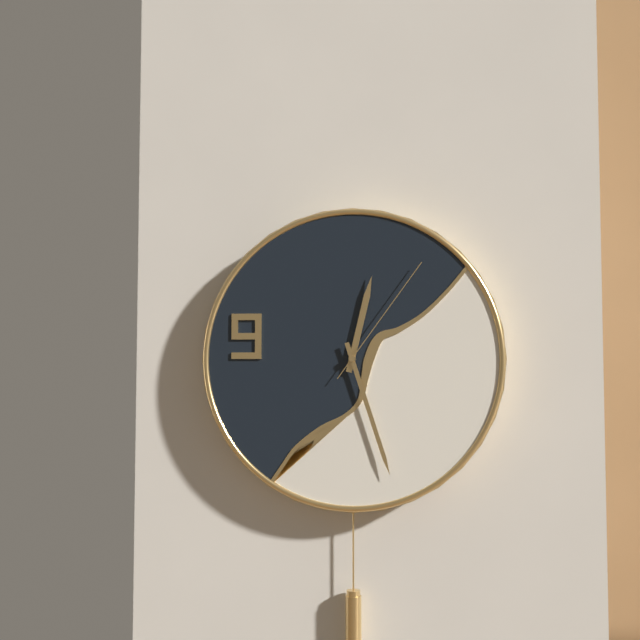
12:27:06
